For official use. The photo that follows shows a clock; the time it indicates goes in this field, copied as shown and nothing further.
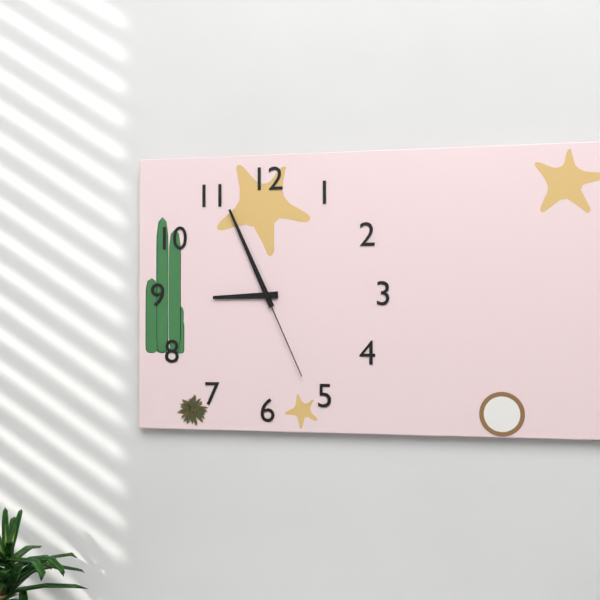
8:56:26
